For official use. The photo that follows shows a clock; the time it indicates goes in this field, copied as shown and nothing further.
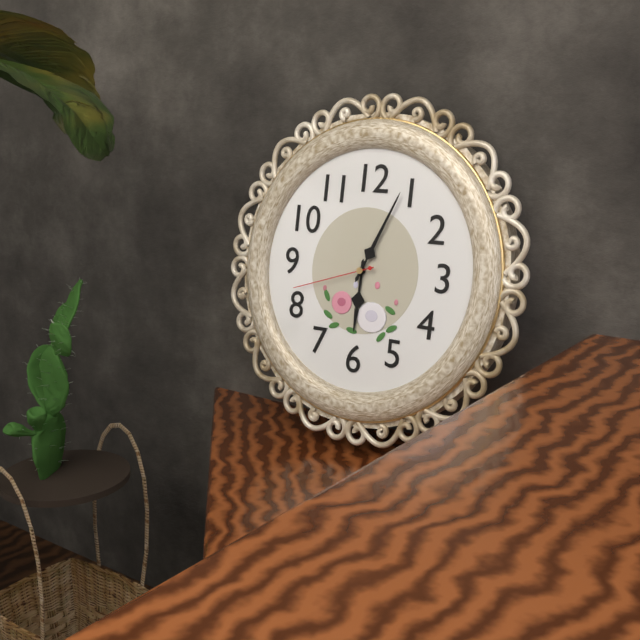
6:04:42
